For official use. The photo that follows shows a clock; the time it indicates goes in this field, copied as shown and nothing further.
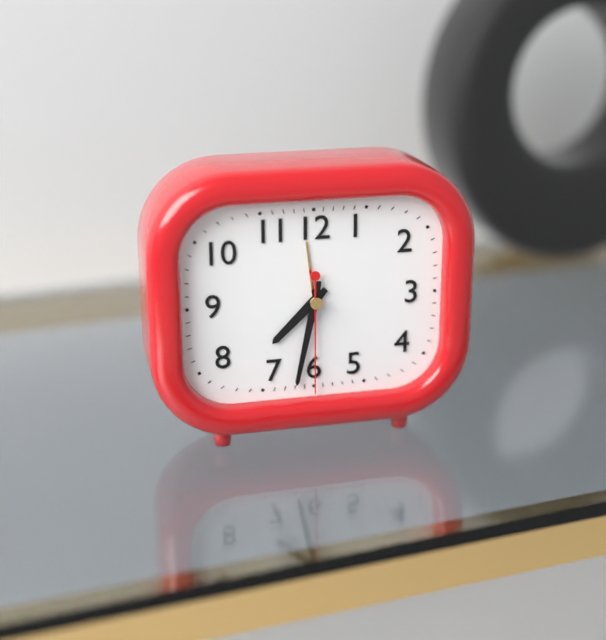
7:32:30
